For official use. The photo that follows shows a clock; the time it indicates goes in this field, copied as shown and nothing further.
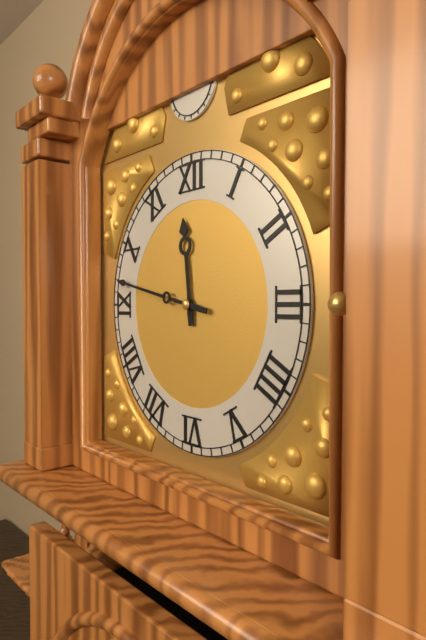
11:47
